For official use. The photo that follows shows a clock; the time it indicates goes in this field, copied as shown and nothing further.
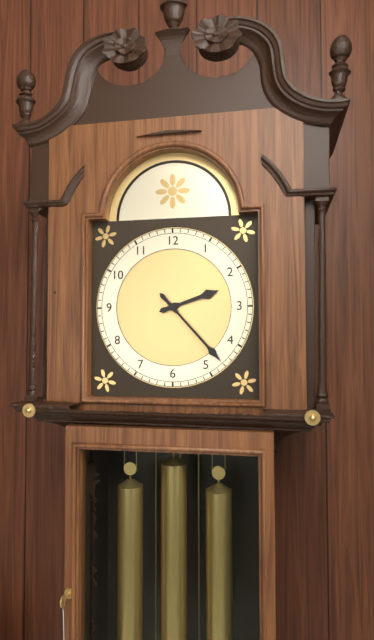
2:23
